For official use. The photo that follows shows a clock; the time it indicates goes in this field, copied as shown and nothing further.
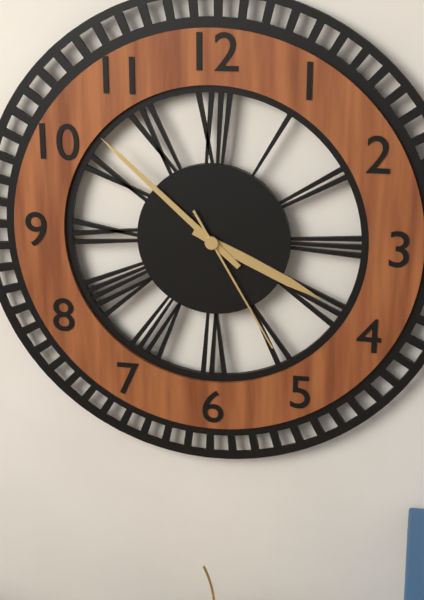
3:52:25
